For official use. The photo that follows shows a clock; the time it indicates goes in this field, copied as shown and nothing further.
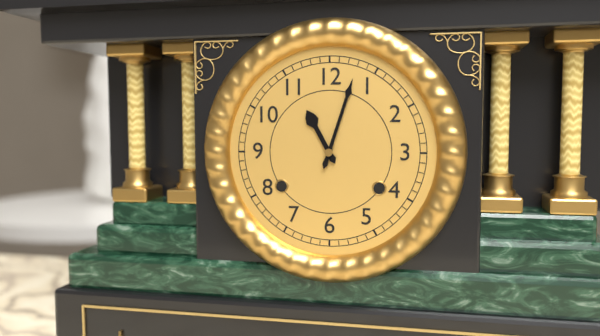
11:03
